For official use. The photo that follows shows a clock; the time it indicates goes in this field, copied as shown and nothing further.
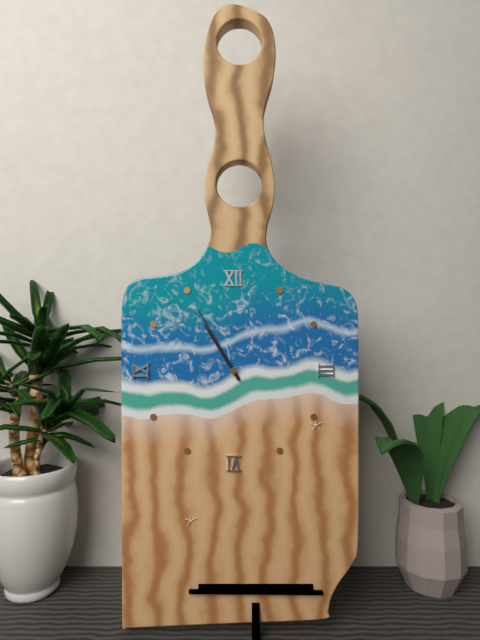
10:55
